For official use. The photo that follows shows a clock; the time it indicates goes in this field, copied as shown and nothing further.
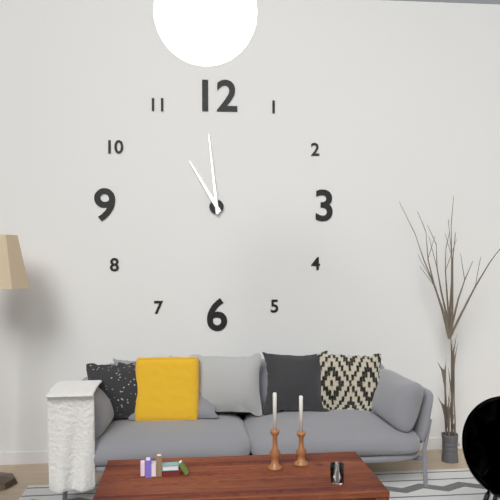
10:59
